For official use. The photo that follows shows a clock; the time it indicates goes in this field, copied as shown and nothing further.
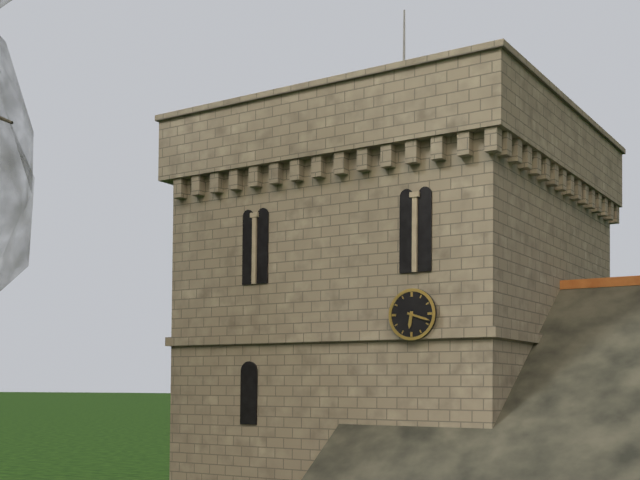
6:18
